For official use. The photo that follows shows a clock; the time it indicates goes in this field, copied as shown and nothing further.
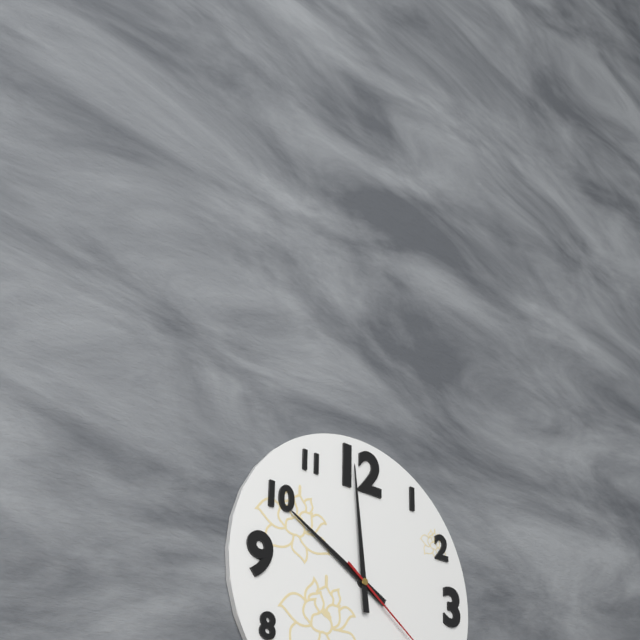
9:59
